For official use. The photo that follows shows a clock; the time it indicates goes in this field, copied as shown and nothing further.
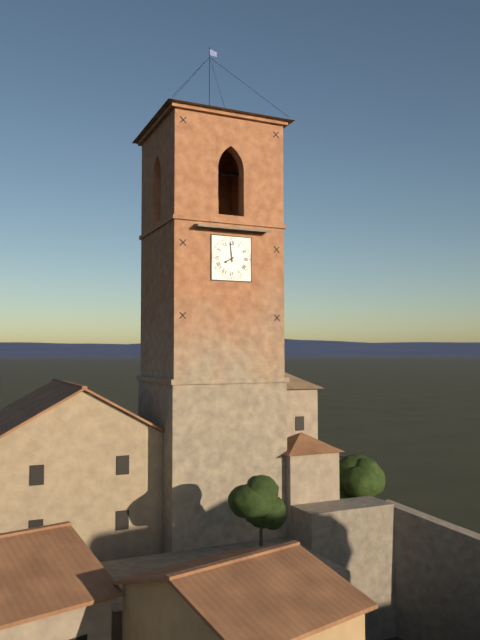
7:59
